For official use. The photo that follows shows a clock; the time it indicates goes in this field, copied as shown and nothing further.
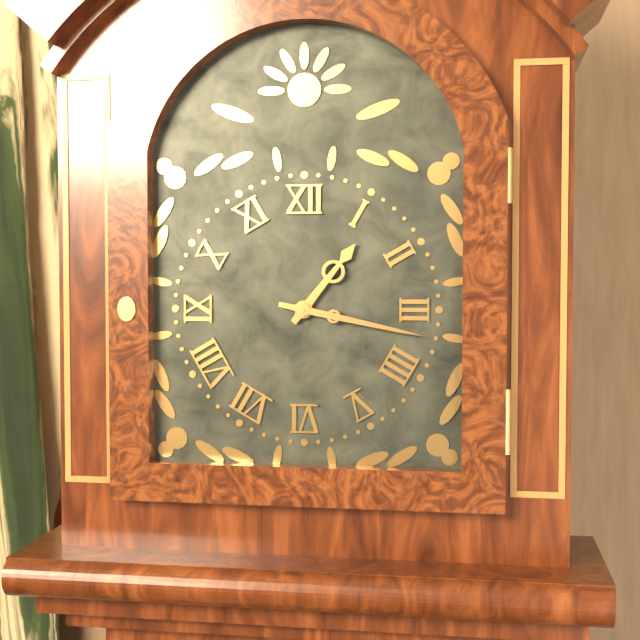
1:17
